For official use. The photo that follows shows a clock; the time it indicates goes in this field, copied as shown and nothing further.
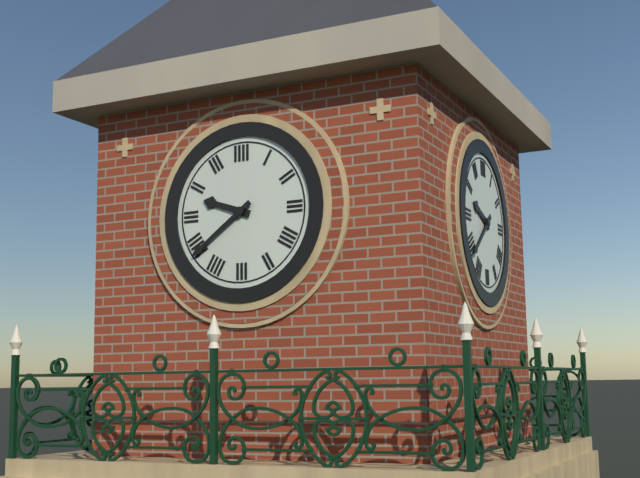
9:39
